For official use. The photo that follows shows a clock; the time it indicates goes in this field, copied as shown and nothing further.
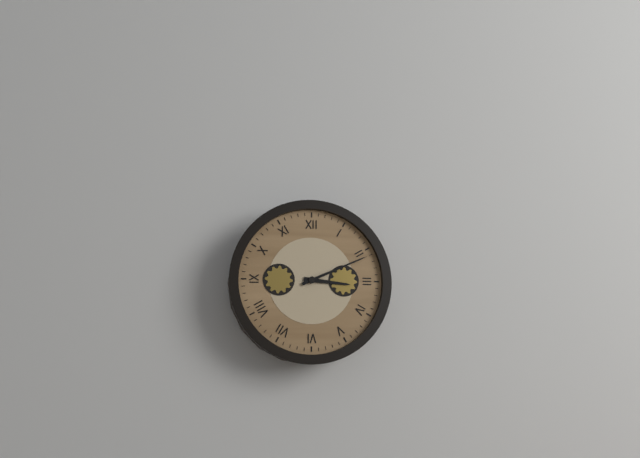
3:11
